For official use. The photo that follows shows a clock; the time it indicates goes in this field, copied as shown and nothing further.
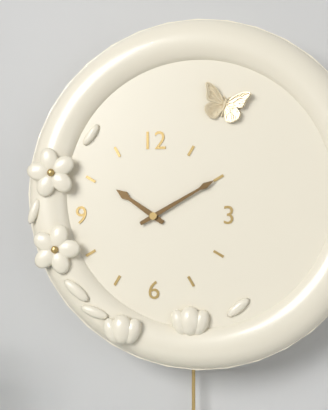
10:10
